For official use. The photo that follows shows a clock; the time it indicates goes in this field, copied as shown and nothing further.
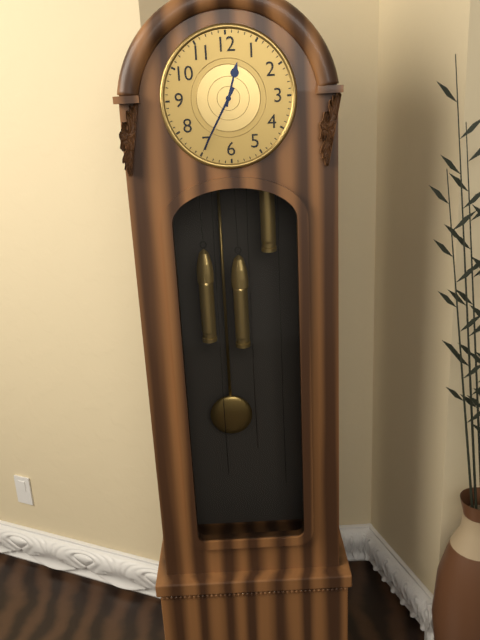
12:35
